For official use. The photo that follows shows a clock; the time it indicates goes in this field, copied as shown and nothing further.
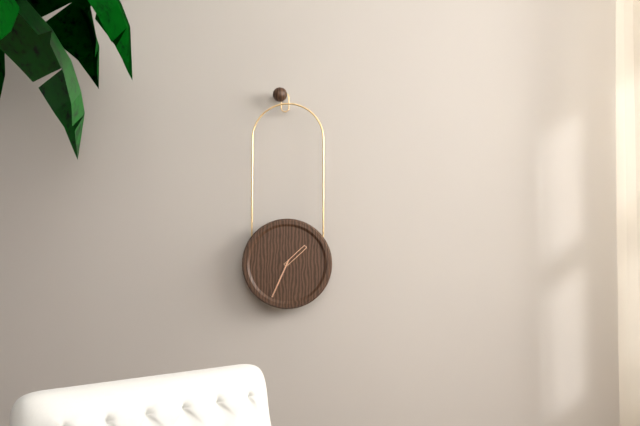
1:34
